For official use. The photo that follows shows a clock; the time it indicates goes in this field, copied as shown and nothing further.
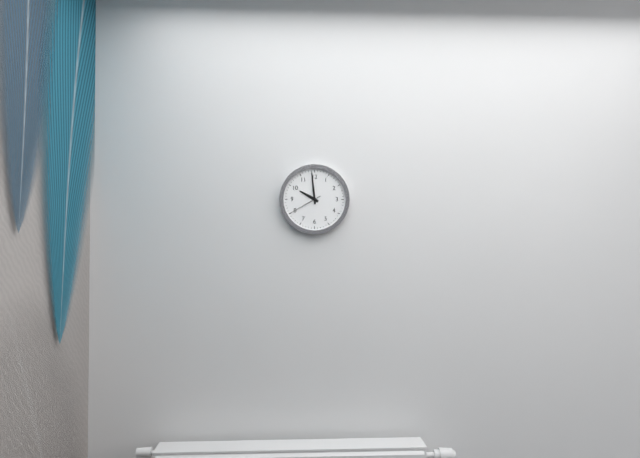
9:59
